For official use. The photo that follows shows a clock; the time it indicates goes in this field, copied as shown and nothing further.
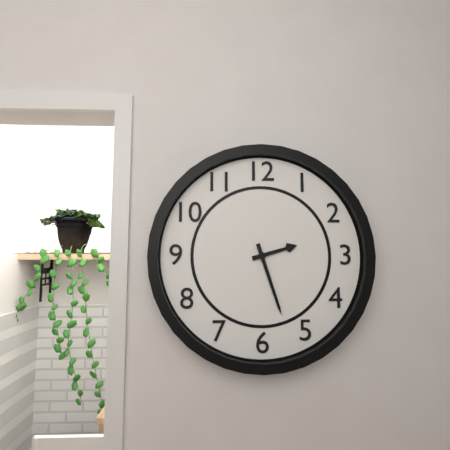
2:27
